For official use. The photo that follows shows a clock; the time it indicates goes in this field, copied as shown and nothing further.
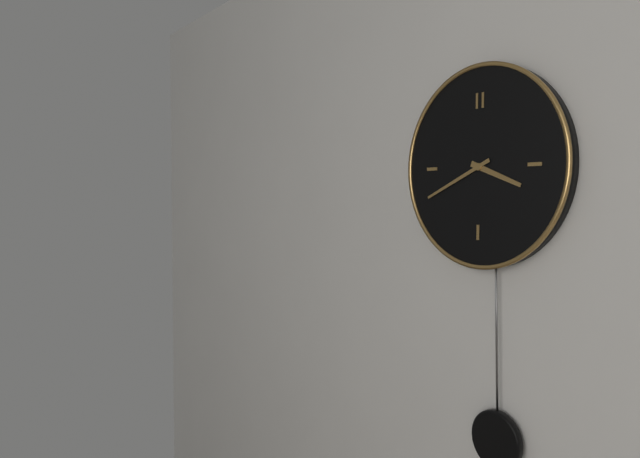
3:41
